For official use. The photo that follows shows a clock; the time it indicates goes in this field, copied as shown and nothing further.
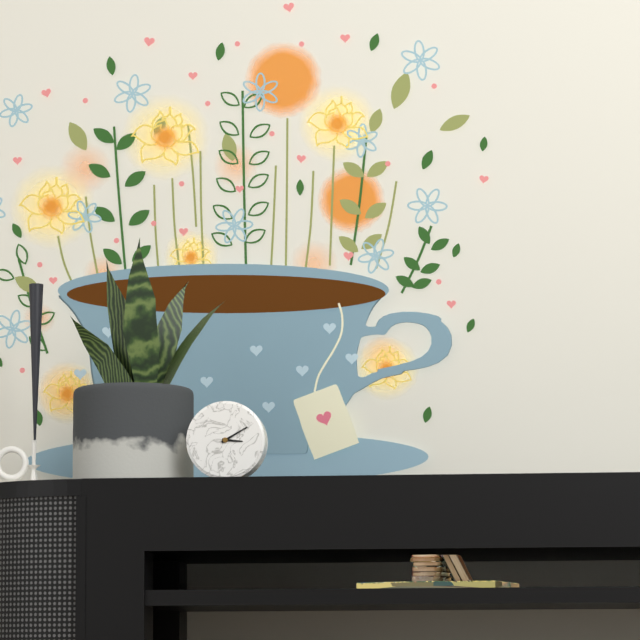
3:10
